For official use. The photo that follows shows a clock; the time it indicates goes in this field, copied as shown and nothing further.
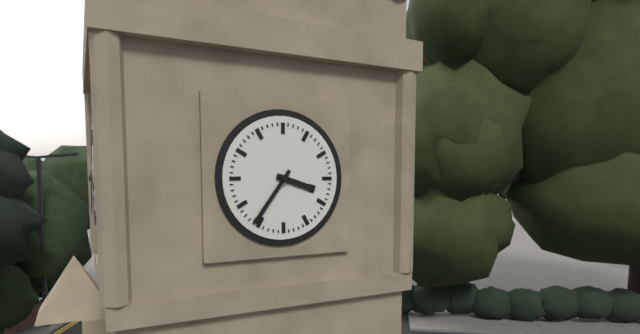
3:36
